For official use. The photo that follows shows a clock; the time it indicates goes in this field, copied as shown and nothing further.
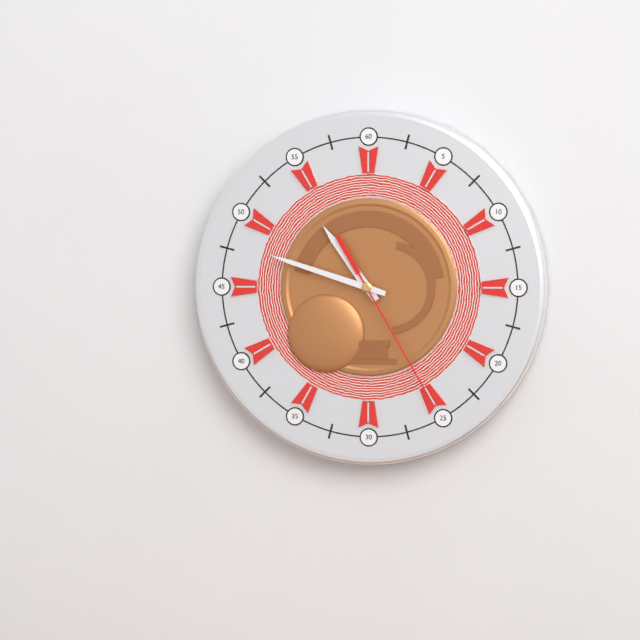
10:48:25
